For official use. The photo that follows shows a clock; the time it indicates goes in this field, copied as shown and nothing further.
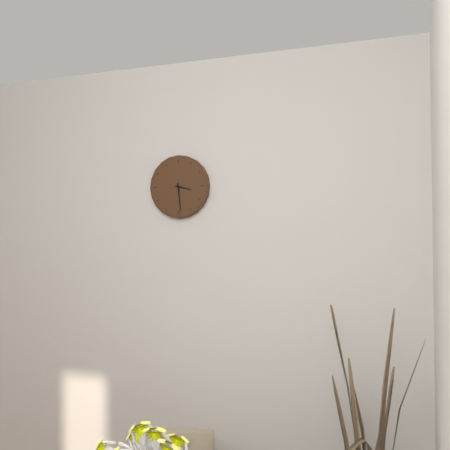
3:29
